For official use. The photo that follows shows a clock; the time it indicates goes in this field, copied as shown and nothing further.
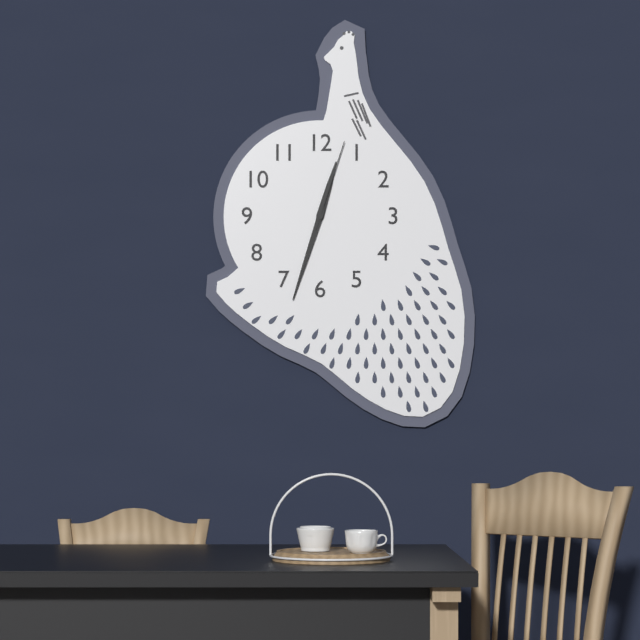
12:33:03
